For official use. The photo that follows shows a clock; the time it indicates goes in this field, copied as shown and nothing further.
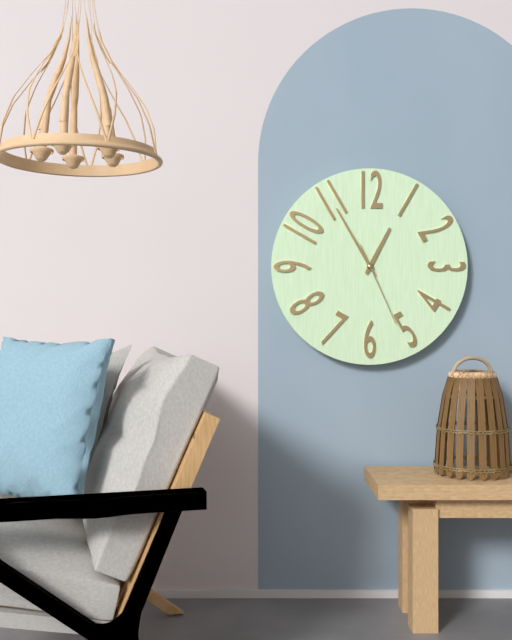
12:55:26
